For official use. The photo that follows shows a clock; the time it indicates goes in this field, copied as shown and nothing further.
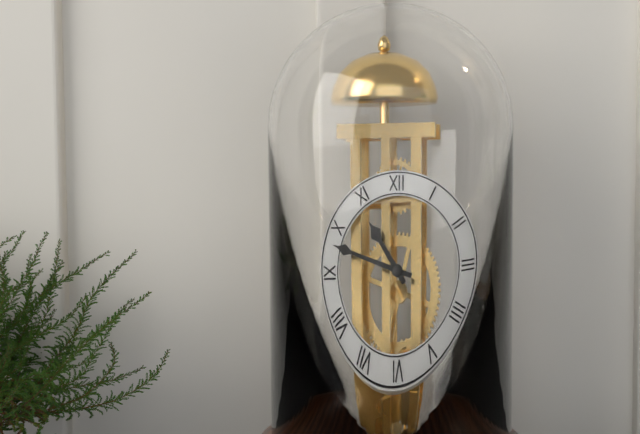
10:48
